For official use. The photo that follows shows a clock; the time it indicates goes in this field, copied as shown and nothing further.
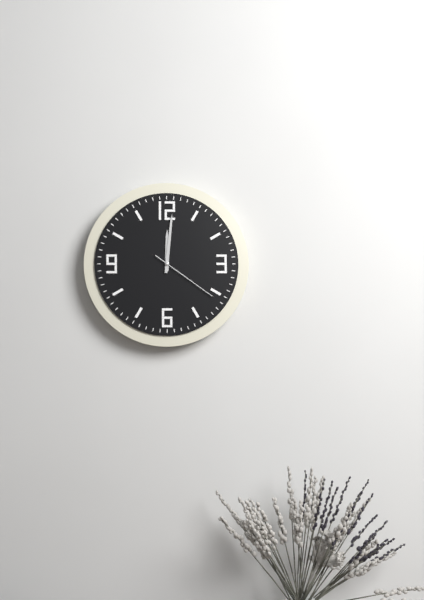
12:01:21
